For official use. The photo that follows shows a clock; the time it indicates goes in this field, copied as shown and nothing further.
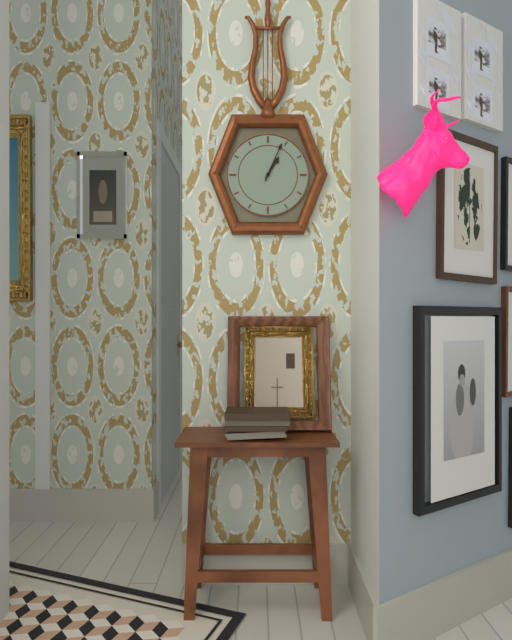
1:04
